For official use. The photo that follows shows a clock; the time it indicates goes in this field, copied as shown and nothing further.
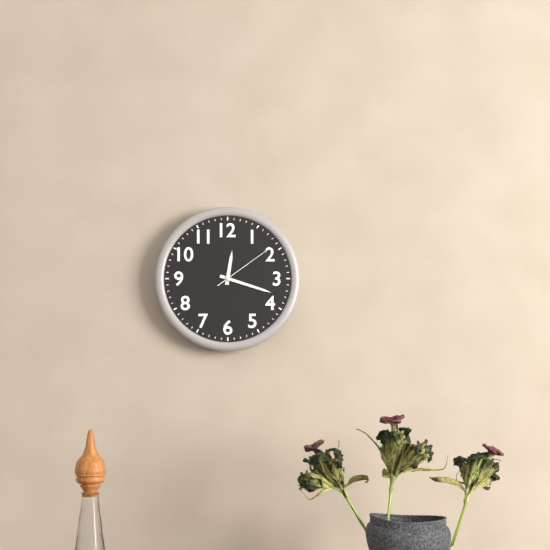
12:18:09
